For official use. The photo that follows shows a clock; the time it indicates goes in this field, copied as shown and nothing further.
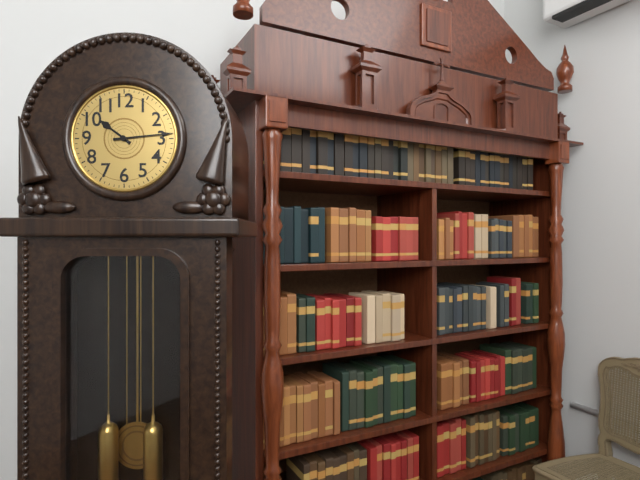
10:14
